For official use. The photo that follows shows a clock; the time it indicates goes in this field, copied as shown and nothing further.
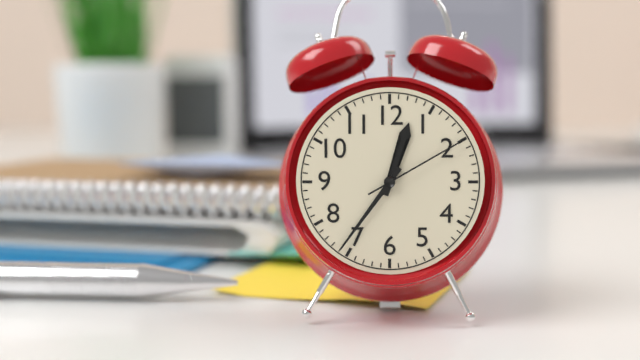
12:36:10
